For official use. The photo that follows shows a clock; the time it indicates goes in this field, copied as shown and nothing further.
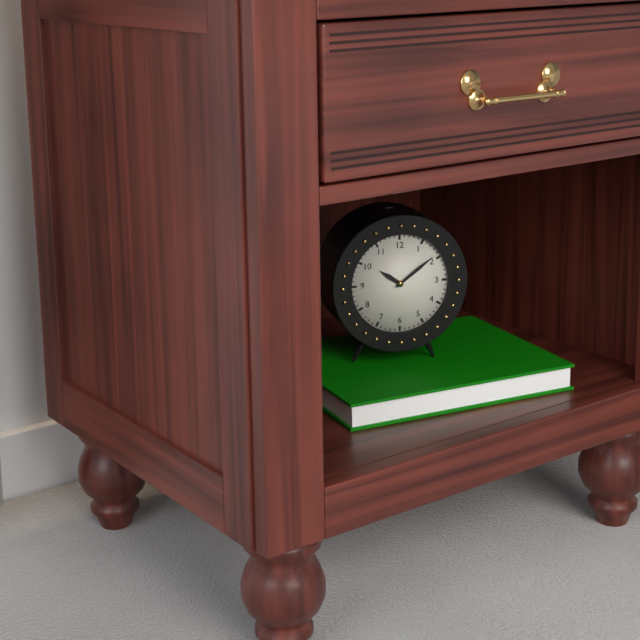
10:09
